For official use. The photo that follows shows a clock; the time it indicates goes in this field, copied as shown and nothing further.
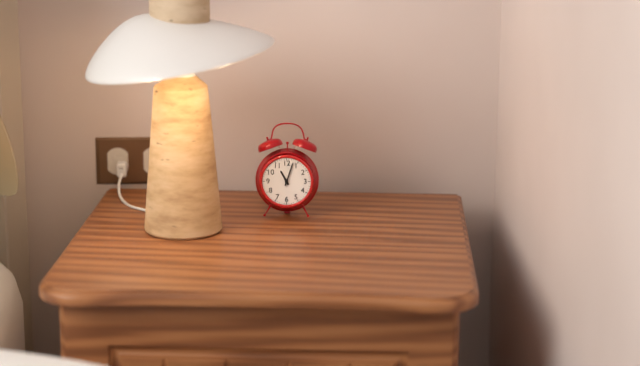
11:03
